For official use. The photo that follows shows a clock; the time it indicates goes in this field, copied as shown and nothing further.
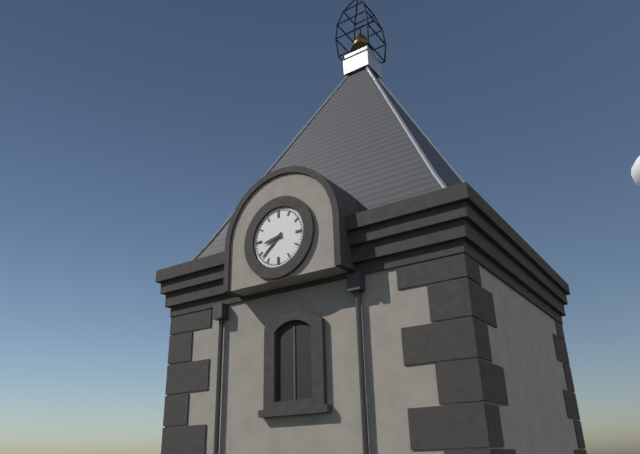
8:38
